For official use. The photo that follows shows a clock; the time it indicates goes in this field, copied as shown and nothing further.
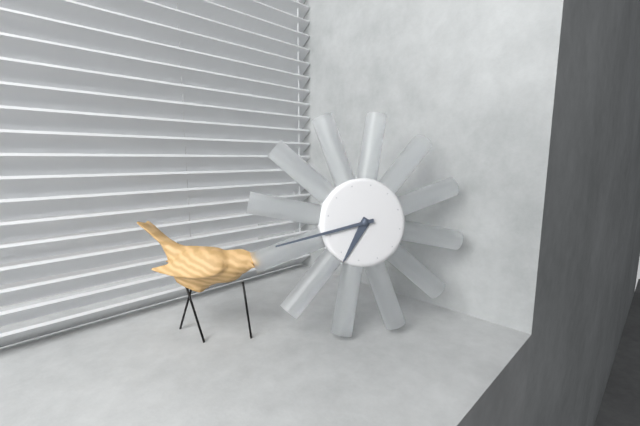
6:41
